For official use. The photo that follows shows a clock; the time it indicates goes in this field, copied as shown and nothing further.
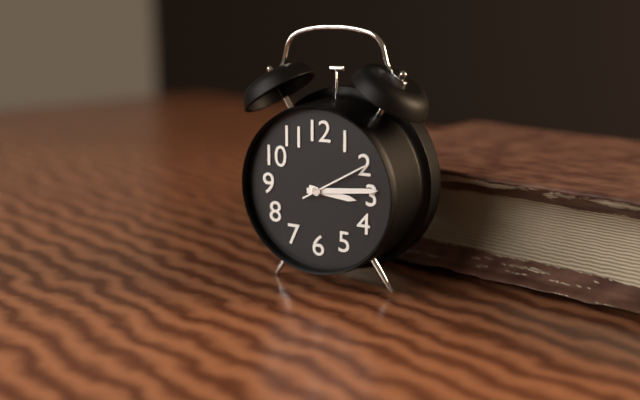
3:14:10
